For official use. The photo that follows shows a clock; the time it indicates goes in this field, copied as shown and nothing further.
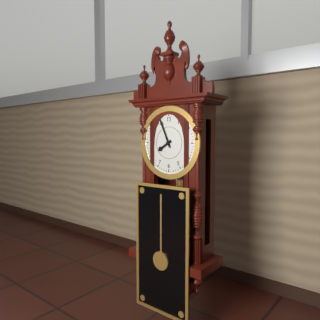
7:56
